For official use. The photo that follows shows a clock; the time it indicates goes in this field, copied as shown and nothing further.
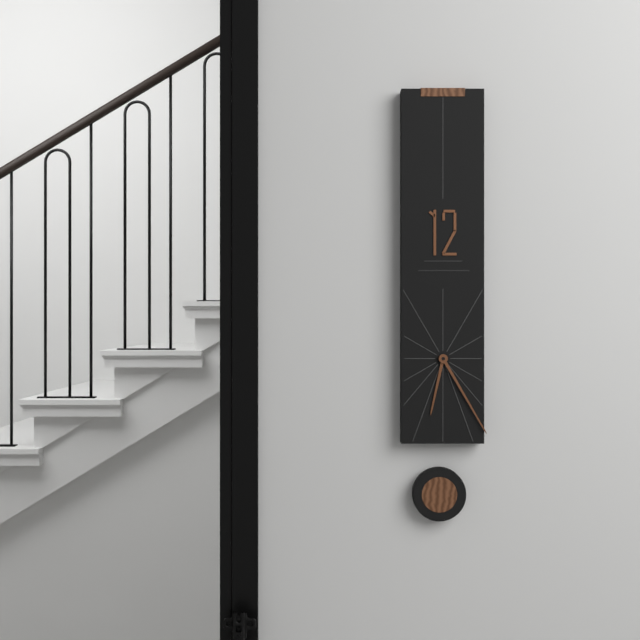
6:25
